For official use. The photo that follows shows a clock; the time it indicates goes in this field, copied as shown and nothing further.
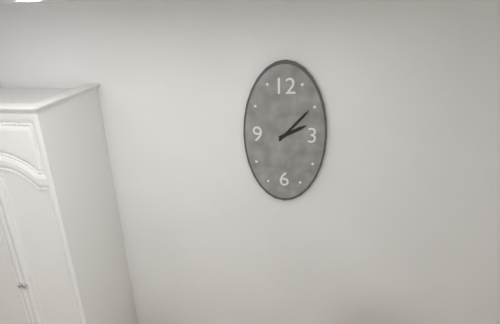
2:07
